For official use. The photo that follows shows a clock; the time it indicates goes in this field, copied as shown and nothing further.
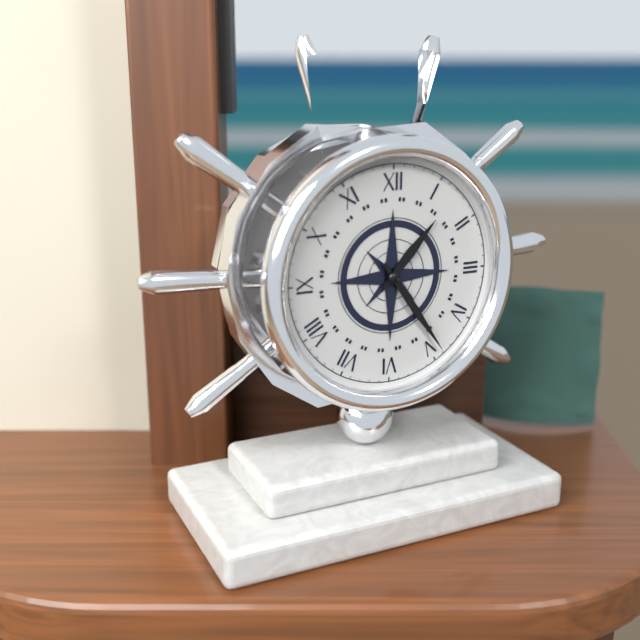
1:24
